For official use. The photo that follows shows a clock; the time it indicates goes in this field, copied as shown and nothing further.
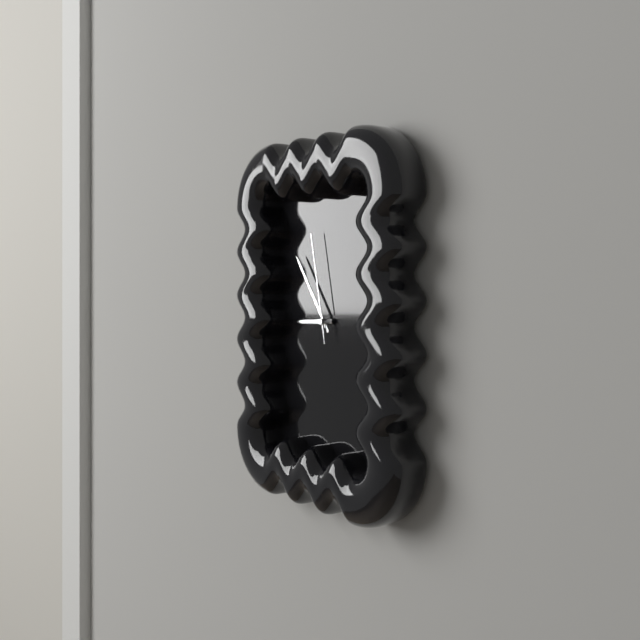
8:54:58
